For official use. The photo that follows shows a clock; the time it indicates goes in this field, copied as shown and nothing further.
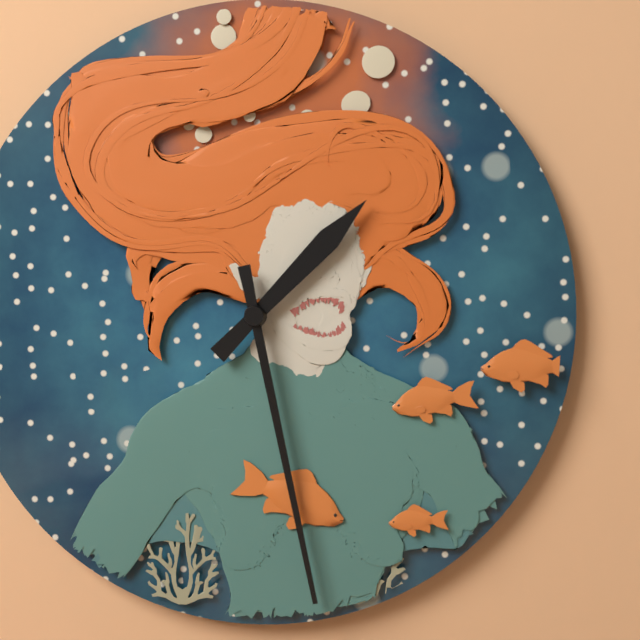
1:28
